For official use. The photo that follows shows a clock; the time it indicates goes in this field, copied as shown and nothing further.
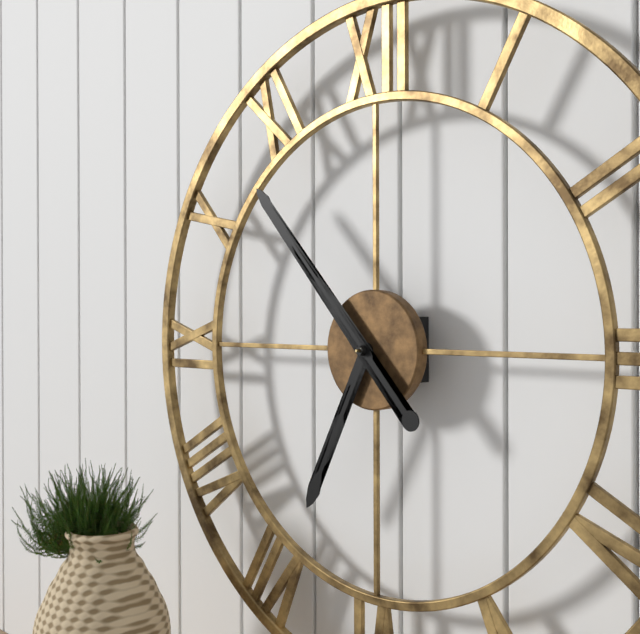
6:53
